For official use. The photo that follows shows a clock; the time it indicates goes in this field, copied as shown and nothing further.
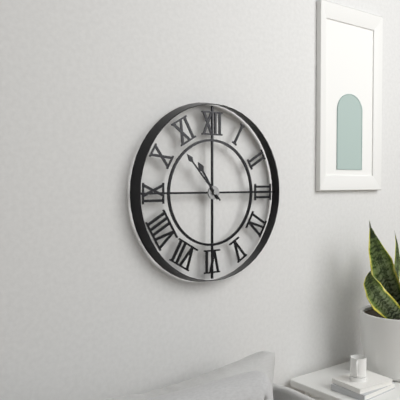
10:53
